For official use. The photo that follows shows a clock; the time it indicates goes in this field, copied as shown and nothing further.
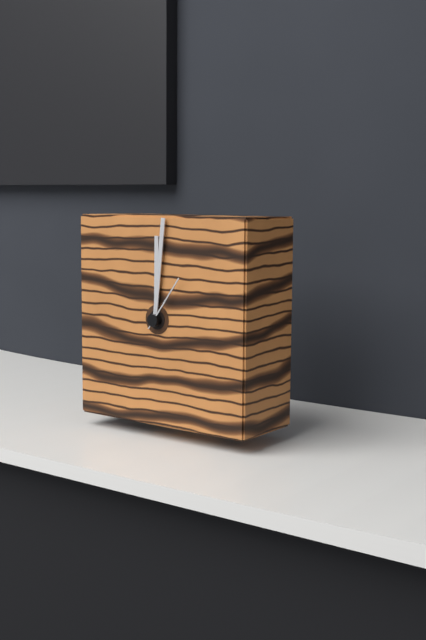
12:01:06
